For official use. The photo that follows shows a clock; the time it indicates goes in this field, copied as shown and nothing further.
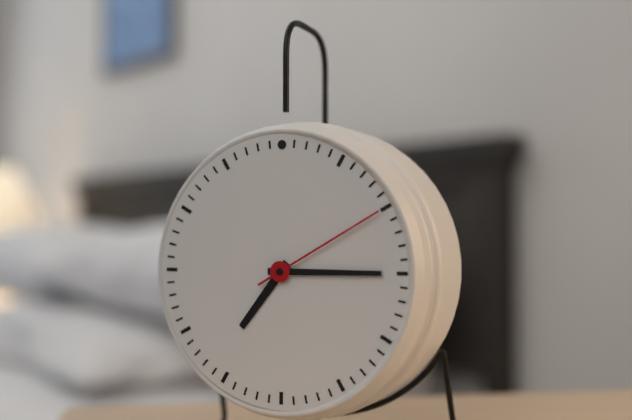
7:15:10
